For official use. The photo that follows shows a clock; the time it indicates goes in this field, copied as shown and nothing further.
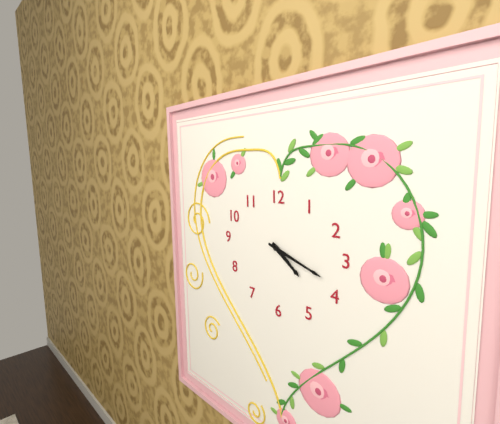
4:18
